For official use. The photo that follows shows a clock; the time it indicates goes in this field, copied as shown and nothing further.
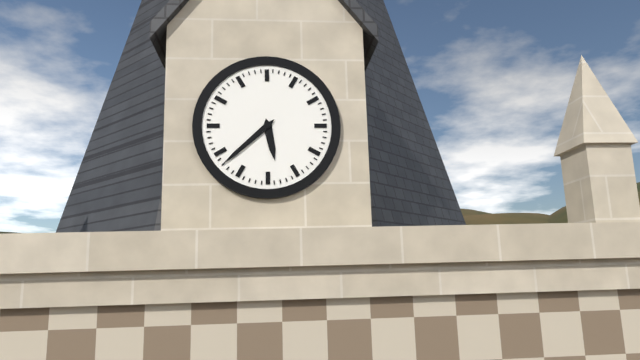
5:38
